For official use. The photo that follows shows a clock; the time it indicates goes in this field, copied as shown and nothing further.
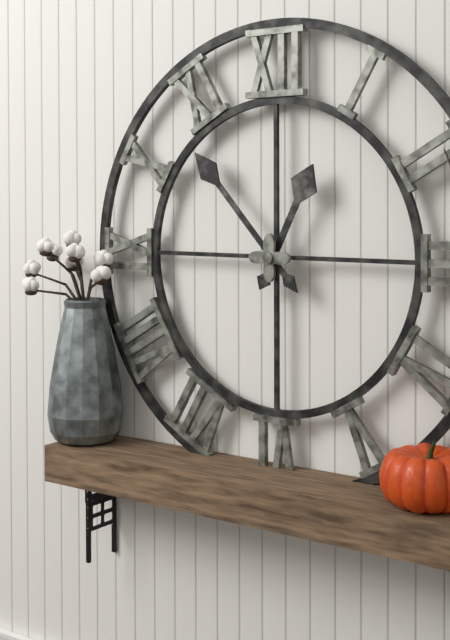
12:53
